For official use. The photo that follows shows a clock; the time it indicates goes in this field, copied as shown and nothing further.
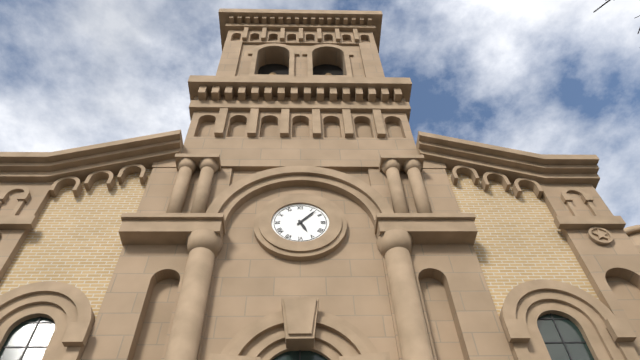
5:07
